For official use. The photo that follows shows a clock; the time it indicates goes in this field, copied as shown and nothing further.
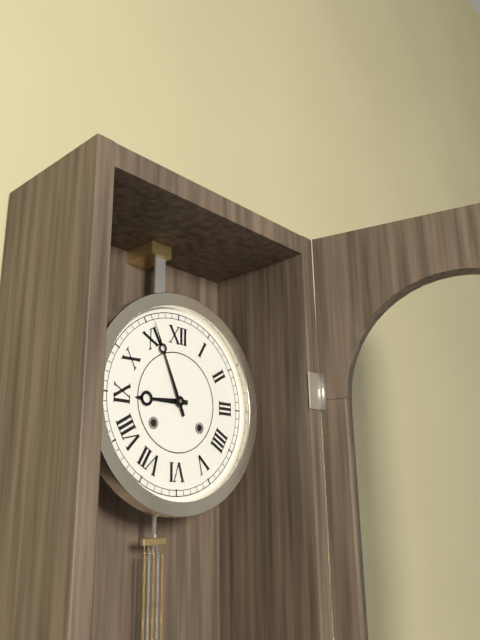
8:56
